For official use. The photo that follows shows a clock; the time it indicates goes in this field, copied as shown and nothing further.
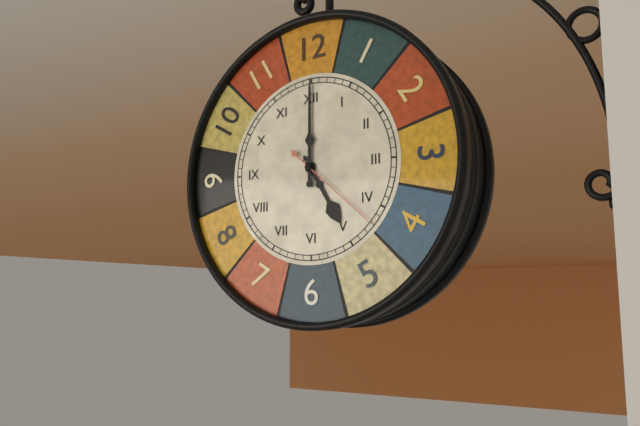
5:00:22
